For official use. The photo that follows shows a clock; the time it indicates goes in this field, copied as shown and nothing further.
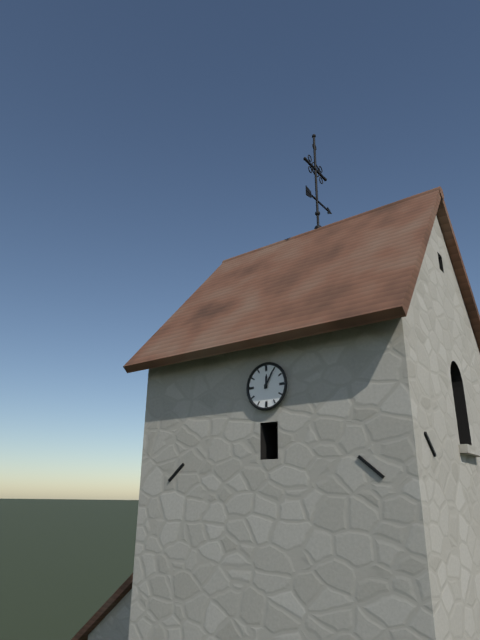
12:05
